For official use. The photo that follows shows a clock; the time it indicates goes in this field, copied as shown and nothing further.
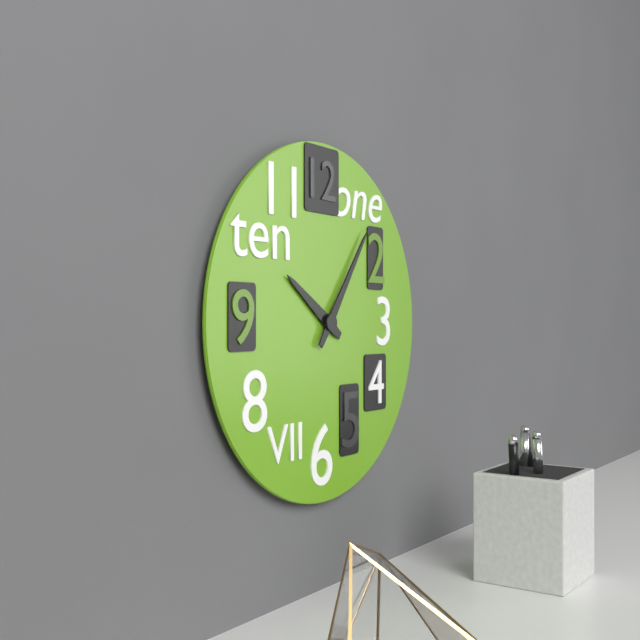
10:06
